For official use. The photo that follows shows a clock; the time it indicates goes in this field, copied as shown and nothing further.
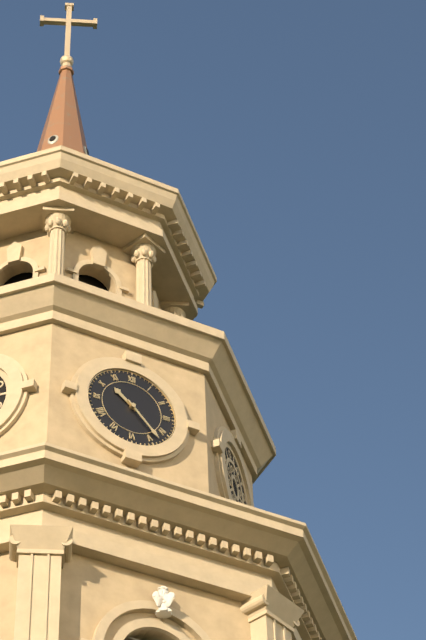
10:23
